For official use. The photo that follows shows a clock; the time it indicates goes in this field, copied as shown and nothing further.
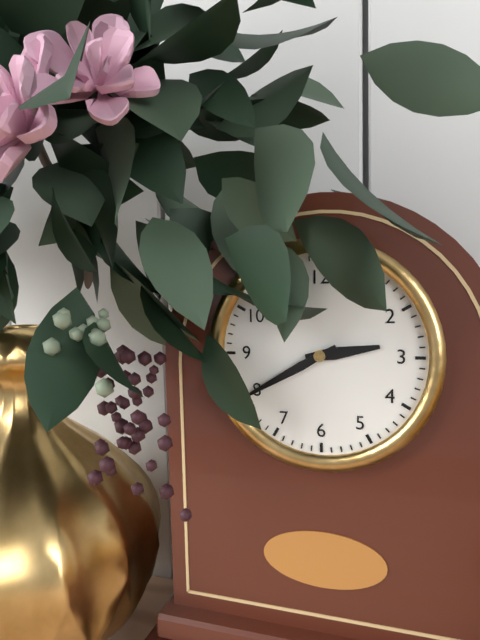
2:40
